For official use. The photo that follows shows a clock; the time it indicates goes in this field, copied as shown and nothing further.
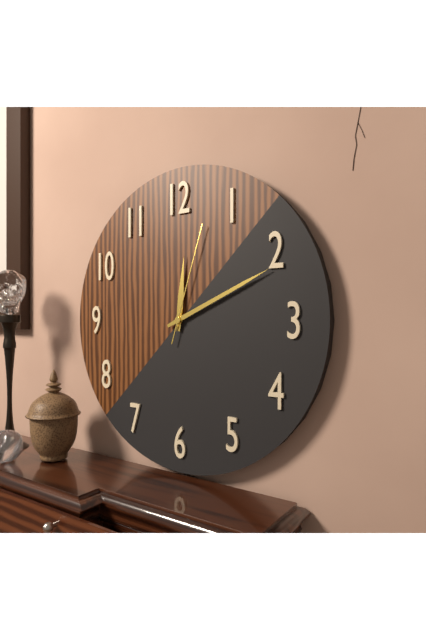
12:11:03
